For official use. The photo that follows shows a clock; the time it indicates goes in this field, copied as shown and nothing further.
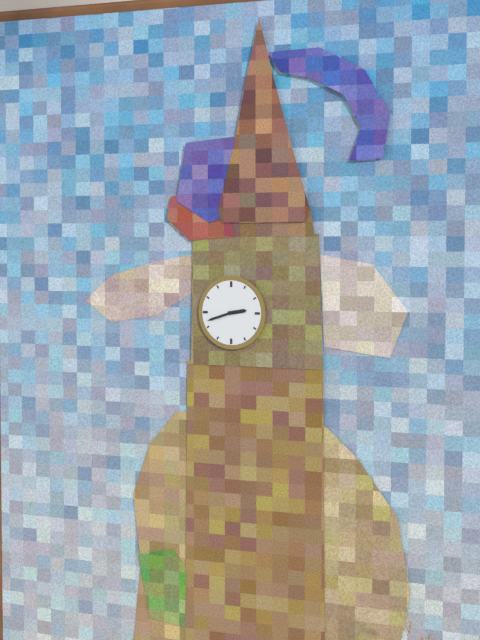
2:42
